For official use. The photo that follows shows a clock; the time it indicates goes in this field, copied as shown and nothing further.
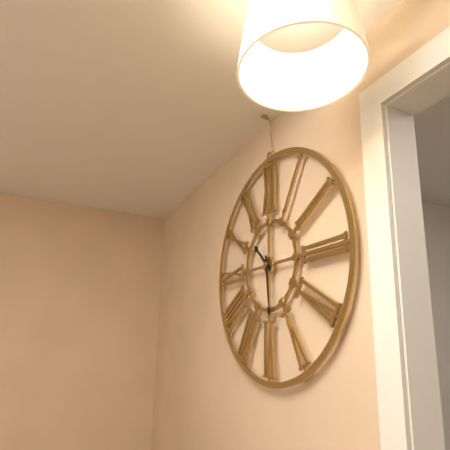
10:29
